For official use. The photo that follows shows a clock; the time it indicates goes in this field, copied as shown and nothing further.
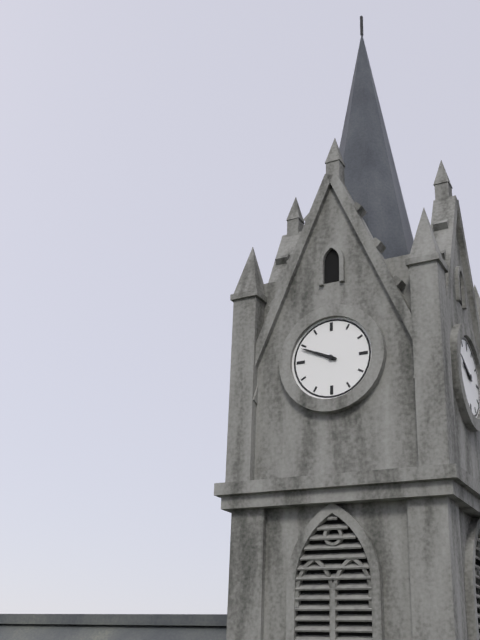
9:49
